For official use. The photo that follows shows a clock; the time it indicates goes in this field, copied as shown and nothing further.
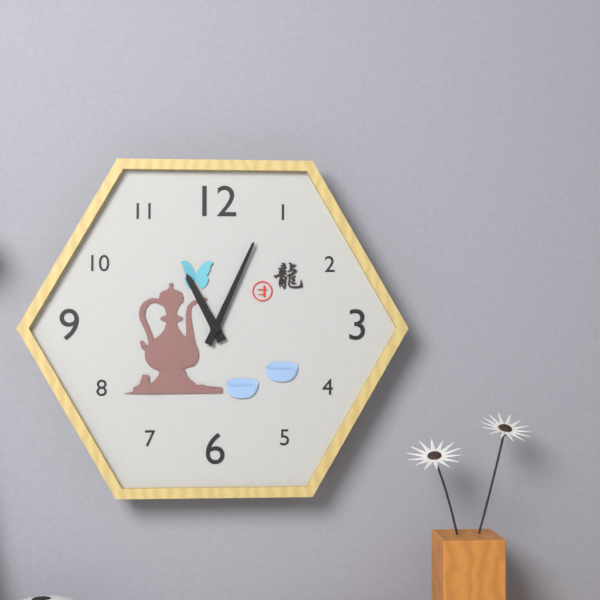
11:04
